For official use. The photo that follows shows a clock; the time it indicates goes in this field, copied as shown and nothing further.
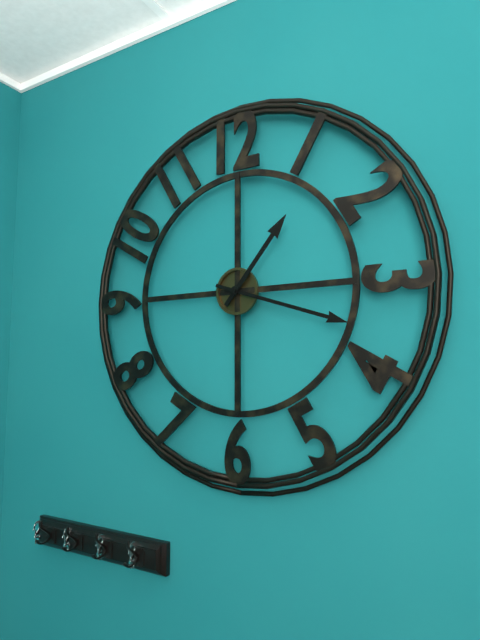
1:18
